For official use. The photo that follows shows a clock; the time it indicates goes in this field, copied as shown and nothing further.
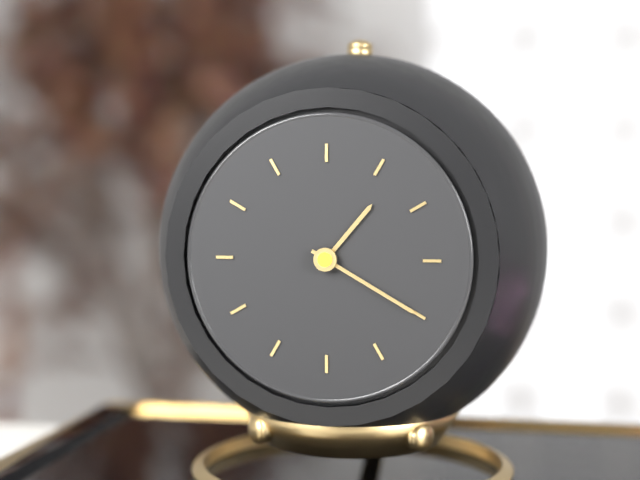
1:20
